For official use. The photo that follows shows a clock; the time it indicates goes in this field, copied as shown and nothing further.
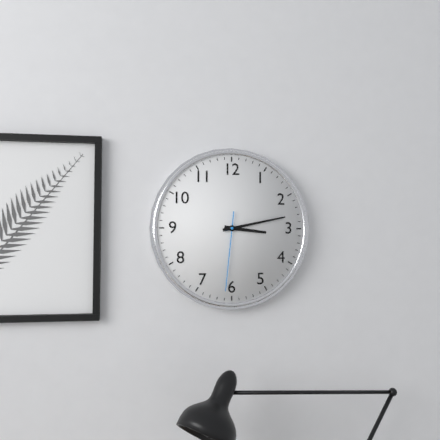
3:13:31
